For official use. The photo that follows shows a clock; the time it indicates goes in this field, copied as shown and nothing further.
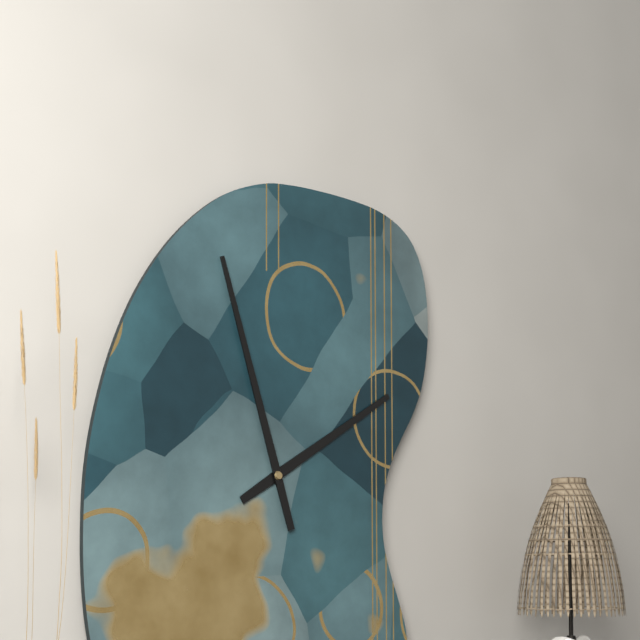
1:57
